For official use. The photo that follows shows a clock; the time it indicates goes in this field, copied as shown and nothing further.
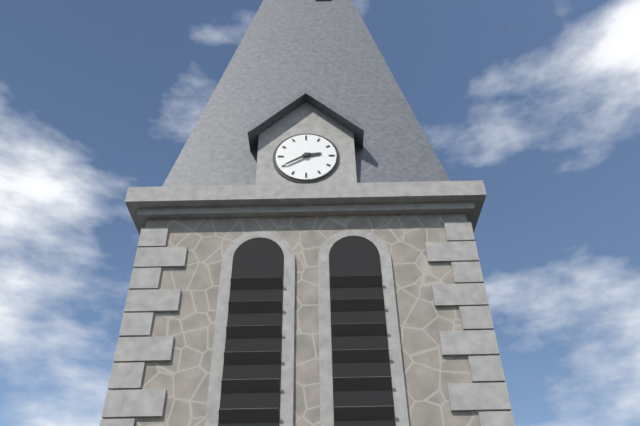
2:40
